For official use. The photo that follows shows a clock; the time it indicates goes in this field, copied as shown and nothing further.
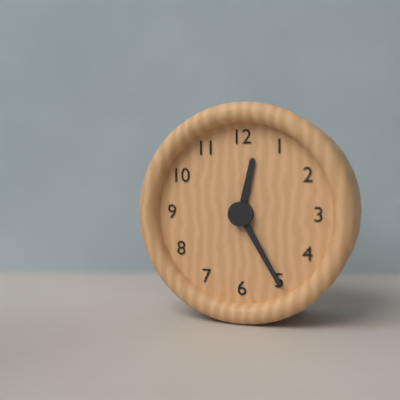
12:25
